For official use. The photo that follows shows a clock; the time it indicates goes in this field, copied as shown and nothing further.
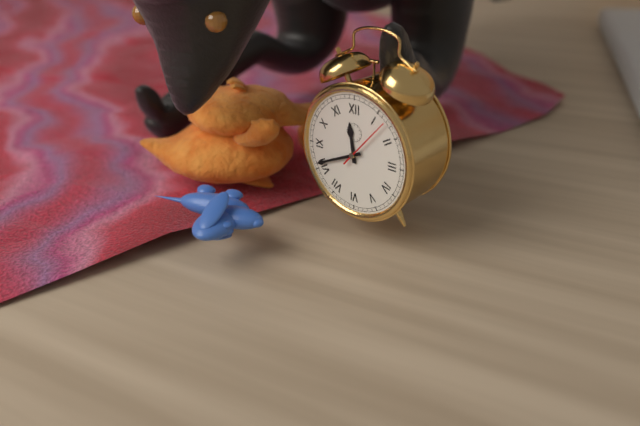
11:41:07
